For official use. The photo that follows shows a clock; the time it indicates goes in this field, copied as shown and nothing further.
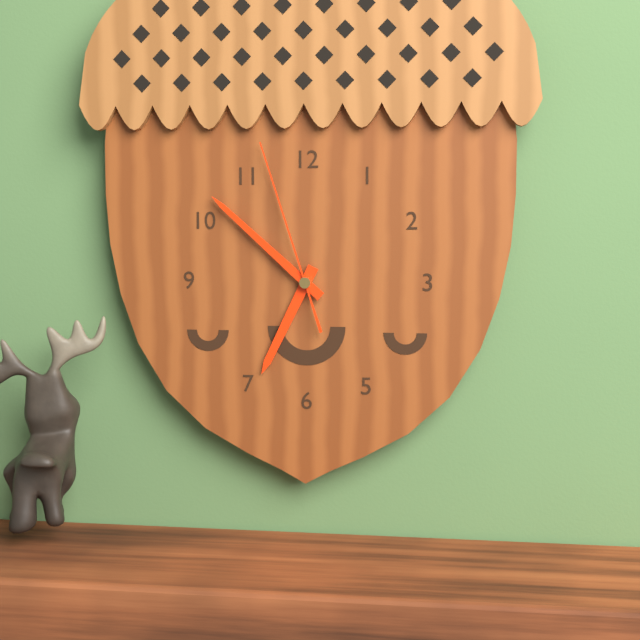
6:52:57
